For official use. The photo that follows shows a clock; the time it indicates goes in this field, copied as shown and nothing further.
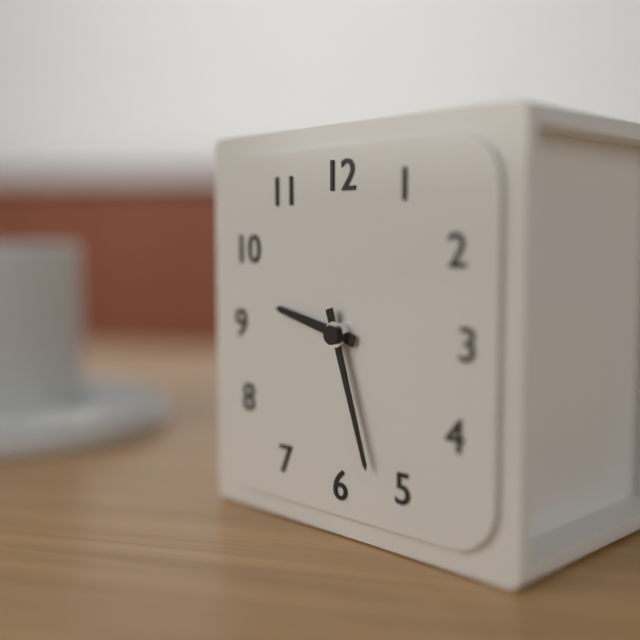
9:27
